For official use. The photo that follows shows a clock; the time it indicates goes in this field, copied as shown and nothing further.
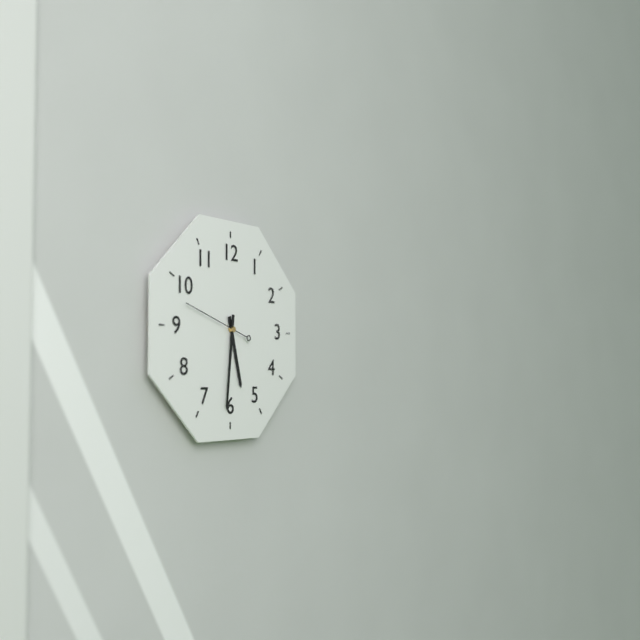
5:31:48
